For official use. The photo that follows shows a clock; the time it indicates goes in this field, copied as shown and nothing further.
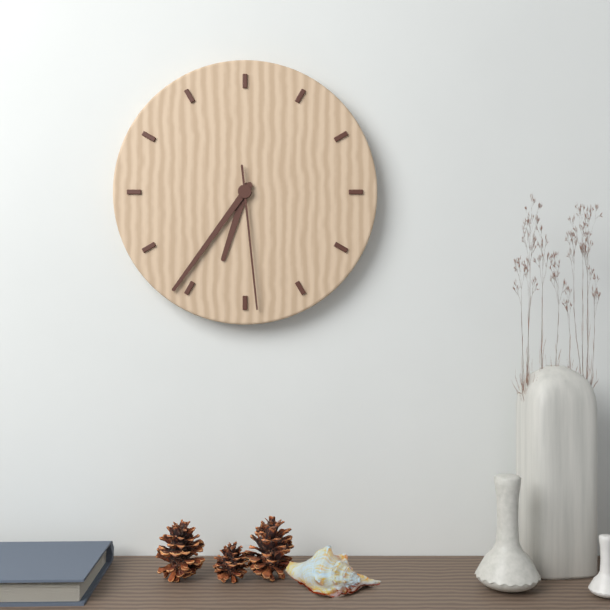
6:36:29
